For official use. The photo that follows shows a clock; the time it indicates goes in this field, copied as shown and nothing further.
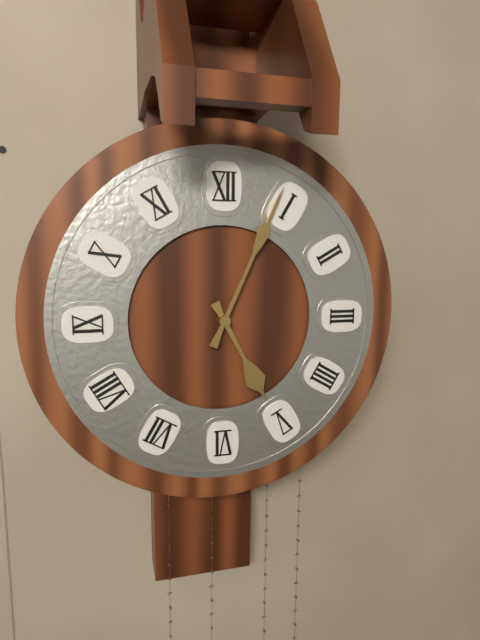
5:04
